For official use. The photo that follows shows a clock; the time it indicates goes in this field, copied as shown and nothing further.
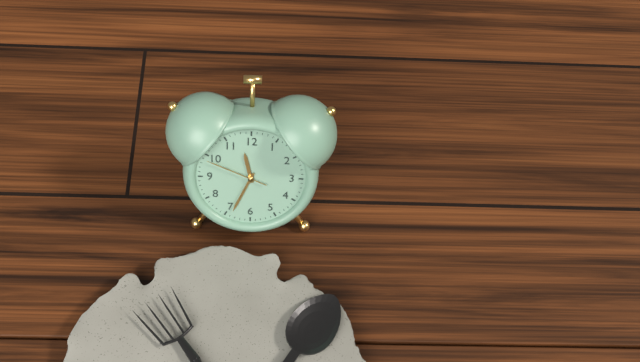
11:34:49
